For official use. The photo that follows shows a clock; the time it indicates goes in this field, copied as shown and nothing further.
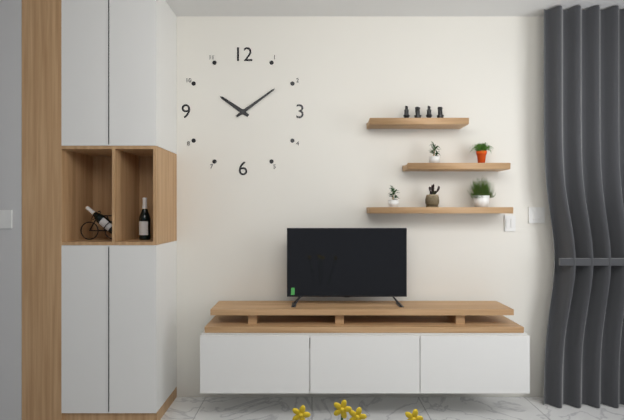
10:09
